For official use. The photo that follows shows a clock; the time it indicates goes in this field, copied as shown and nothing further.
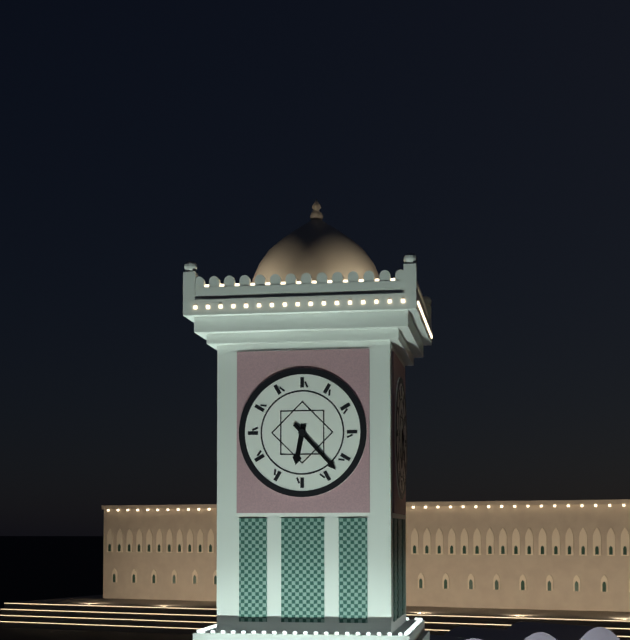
6:23
